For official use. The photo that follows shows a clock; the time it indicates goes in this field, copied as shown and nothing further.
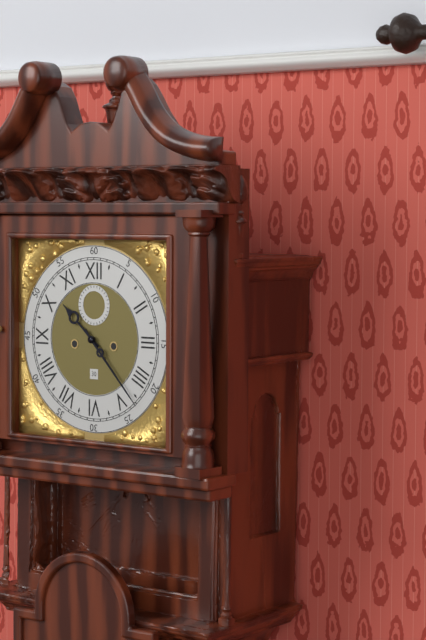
10:23
